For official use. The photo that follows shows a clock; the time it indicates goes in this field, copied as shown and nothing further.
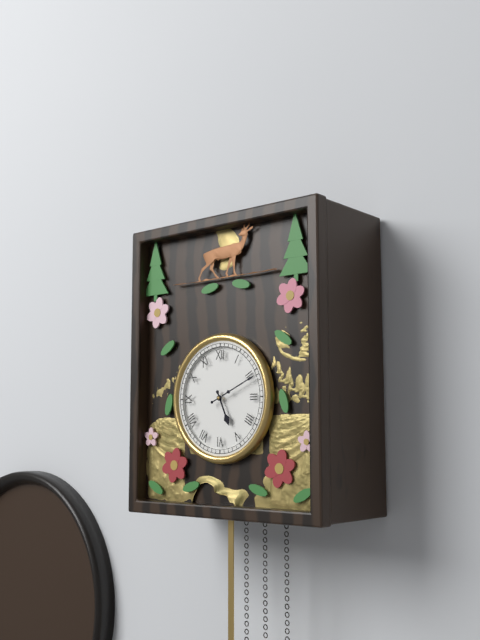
5:11
